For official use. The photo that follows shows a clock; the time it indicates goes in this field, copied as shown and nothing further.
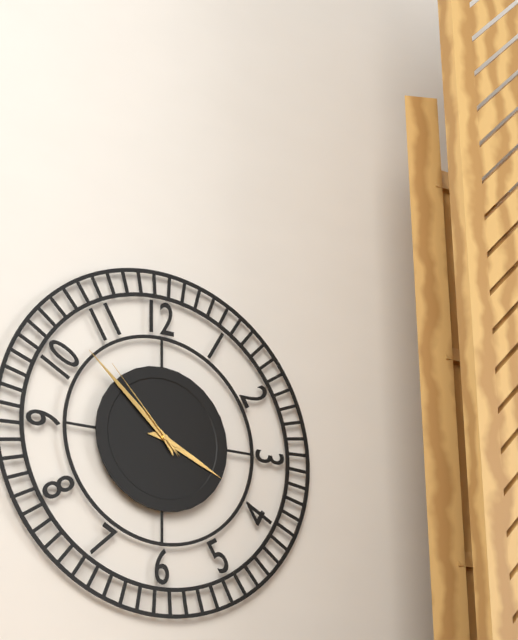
3:52:53
